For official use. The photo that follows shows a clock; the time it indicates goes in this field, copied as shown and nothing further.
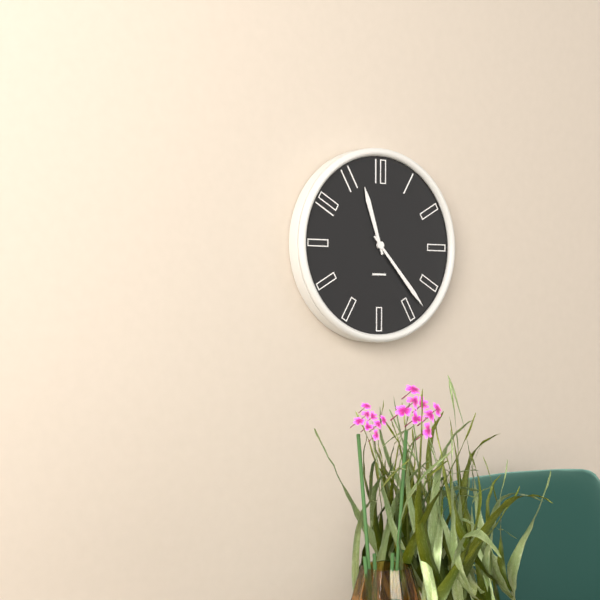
11:23
